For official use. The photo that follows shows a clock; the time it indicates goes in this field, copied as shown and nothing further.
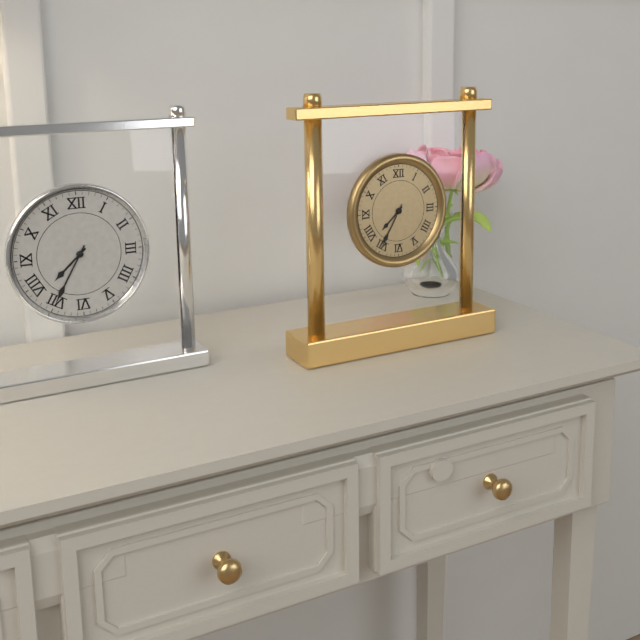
7:35
